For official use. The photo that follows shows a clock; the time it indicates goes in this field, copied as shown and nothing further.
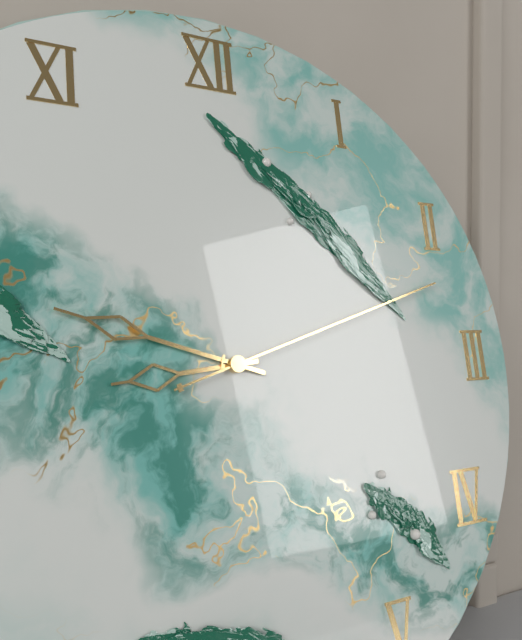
8:48:12
